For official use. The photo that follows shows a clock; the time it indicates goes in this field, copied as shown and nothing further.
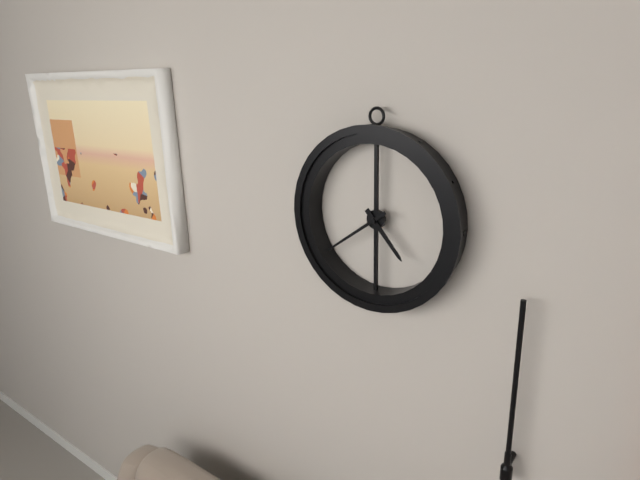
4:39
